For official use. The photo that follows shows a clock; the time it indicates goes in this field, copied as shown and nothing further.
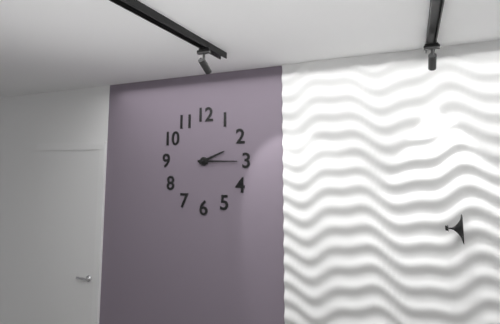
2:15
